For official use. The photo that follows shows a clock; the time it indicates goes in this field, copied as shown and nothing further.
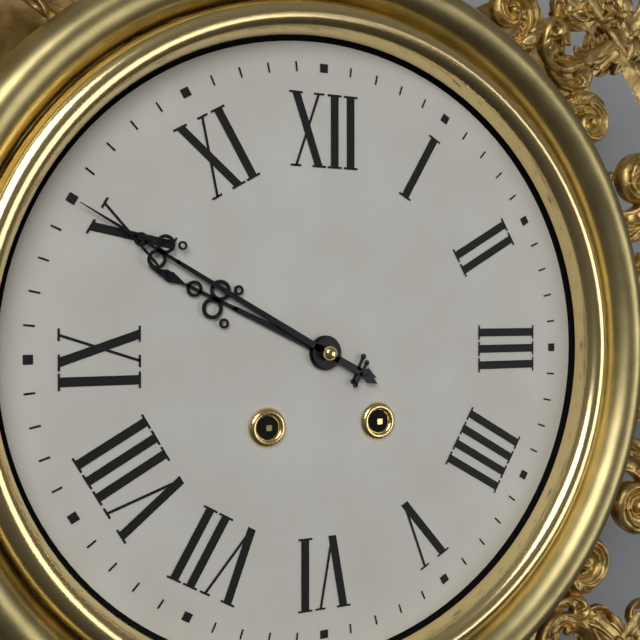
9:50
